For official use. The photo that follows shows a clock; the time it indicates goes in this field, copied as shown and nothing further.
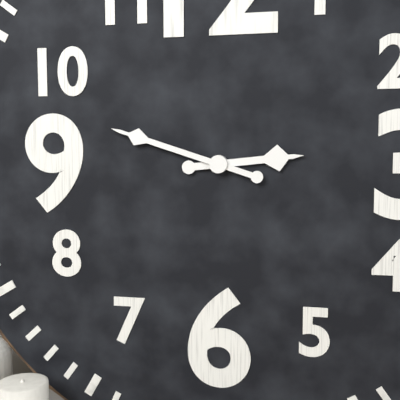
2:48
